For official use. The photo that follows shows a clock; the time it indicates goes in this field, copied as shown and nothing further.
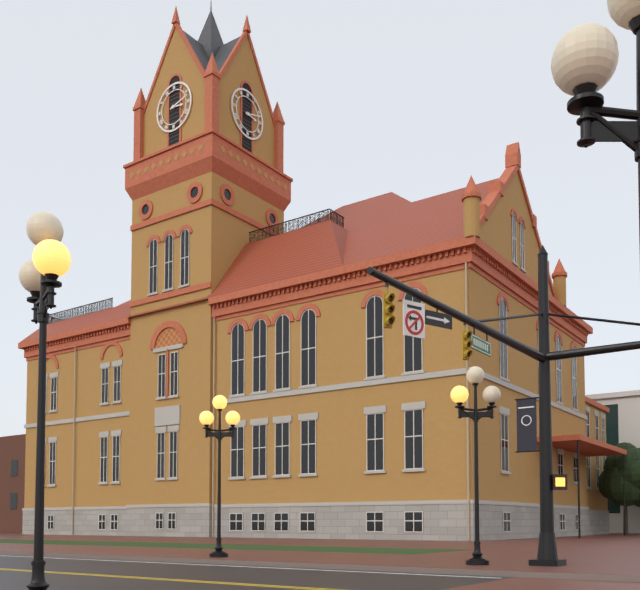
3:12
